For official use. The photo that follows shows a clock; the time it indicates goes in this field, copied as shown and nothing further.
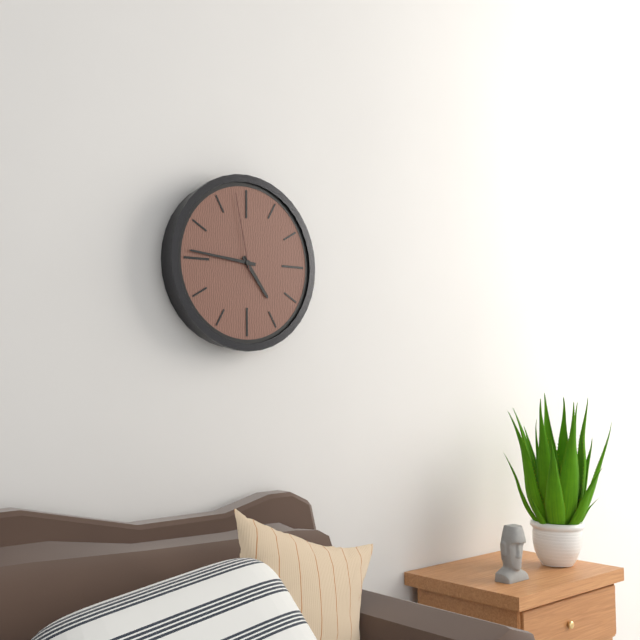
4:46:58
